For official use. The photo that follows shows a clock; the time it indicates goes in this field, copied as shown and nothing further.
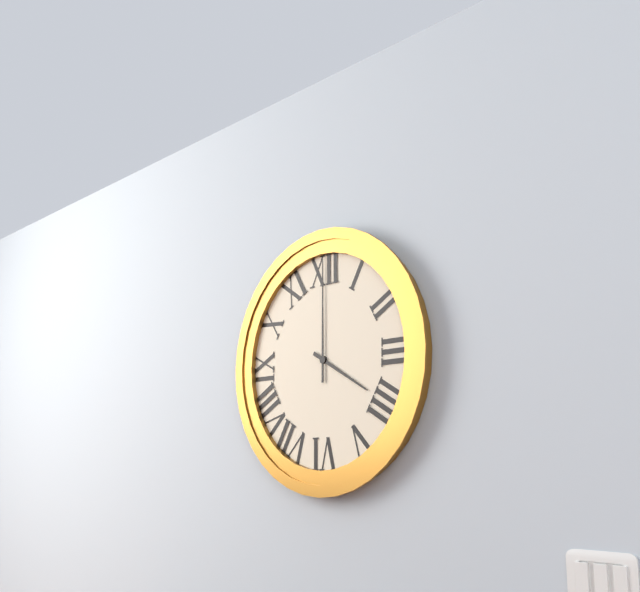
4:00
